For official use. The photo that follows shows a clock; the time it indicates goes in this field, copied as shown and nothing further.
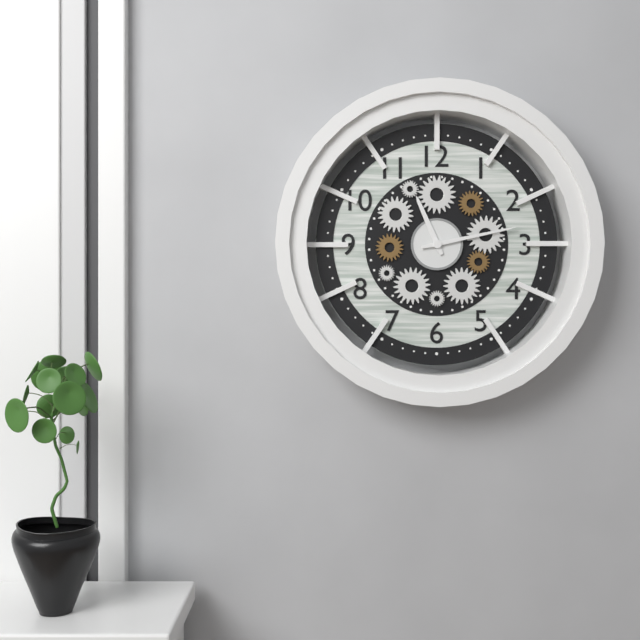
11:13
